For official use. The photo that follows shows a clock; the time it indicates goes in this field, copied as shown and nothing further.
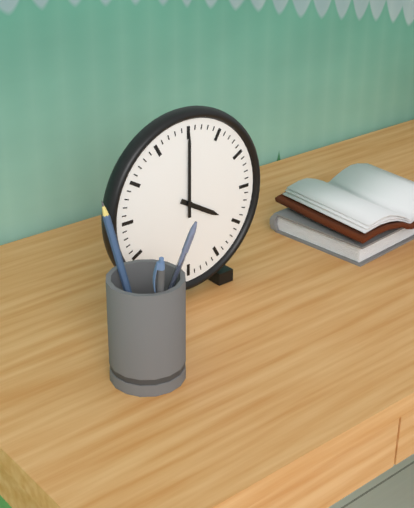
4:00
